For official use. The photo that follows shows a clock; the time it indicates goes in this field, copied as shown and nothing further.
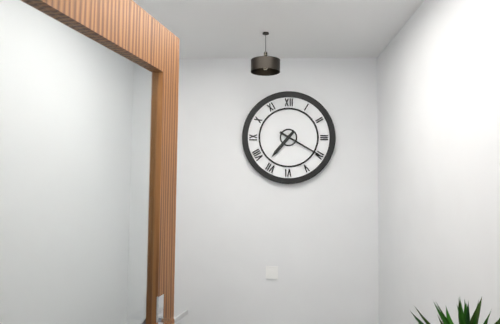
7:20
